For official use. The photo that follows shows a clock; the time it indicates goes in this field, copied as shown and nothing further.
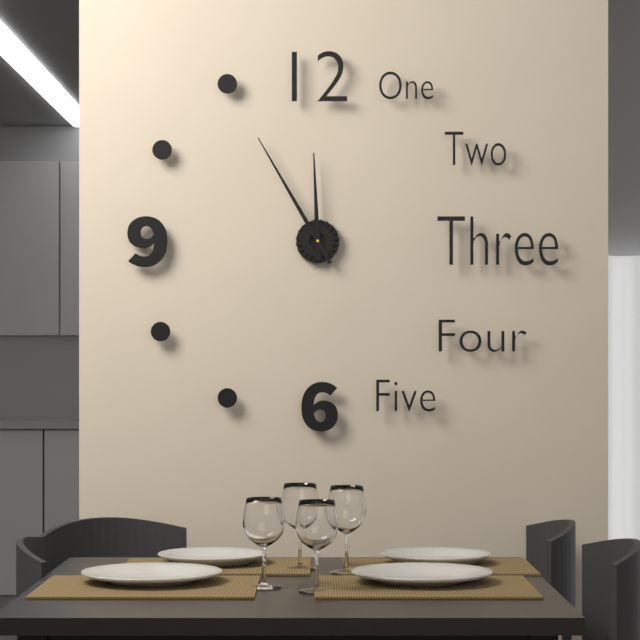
11:55
